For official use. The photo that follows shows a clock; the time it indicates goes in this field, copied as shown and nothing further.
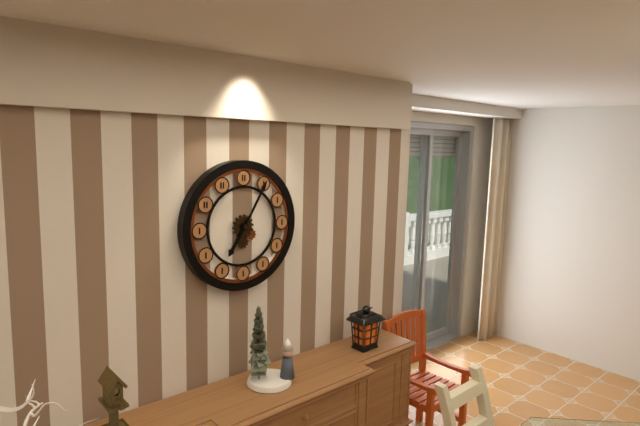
7:05
